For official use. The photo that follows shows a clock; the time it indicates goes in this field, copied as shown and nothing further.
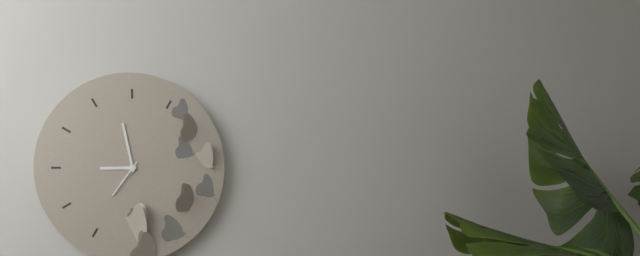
8:58
